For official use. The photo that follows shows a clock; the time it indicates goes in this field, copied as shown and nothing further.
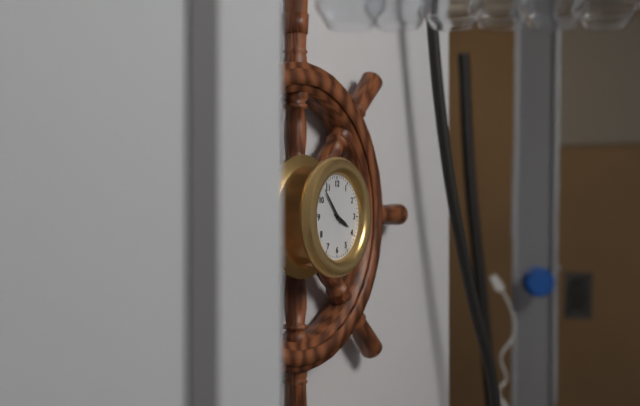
3:53
